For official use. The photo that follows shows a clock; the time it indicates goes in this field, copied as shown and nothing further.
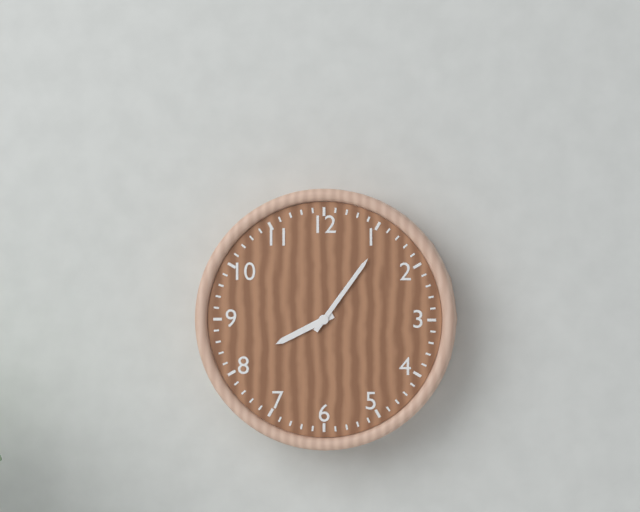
8:06
